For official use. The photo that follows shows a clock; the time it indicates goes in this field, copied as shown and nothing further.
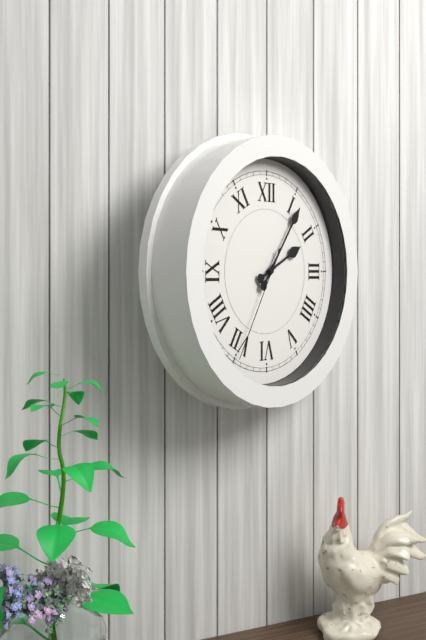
2:06:35
